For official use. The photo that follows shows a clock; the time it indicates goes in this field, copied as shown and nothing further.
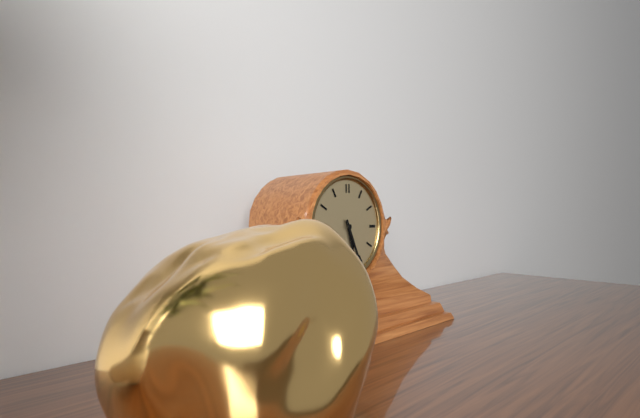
5:26
